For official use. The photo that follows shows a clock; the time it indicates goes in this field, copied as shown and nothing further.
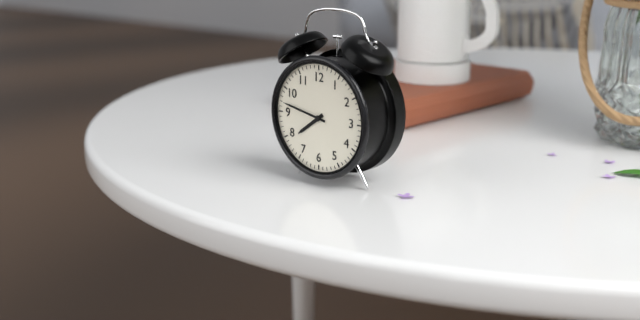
7:47
